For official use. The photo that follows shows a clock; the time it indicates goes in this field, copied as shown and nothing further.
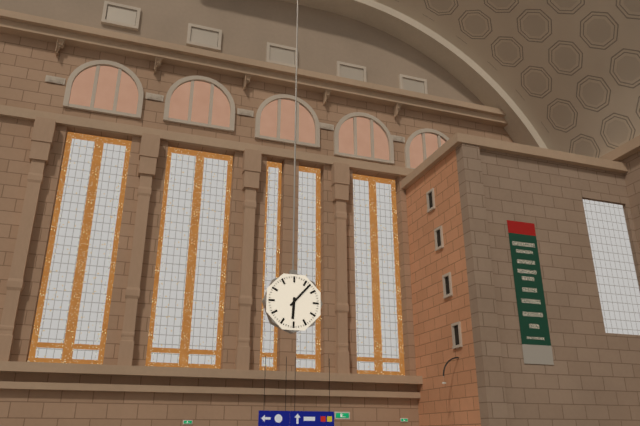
6:07
